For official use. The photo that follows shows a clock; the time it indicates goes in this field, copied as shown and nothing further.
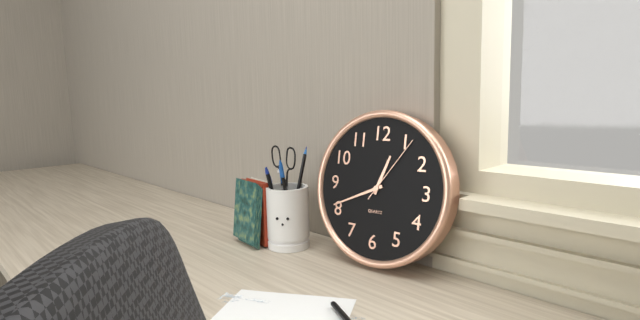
12:41:06
